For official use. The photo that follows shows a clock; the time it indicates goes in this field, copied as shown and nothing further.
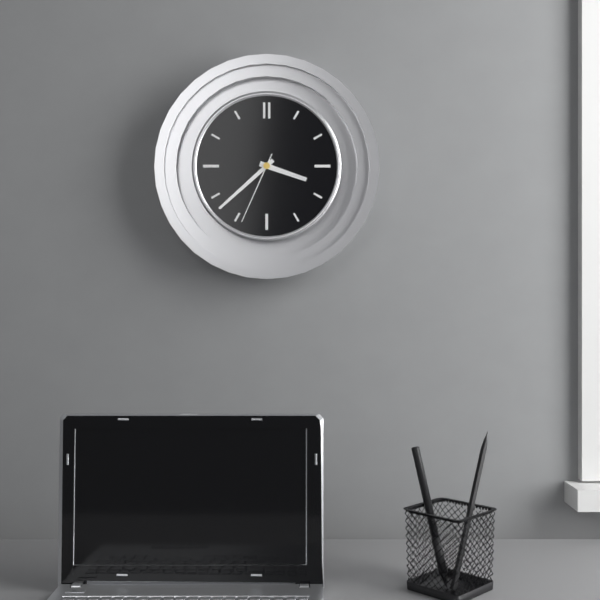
3:38:34
